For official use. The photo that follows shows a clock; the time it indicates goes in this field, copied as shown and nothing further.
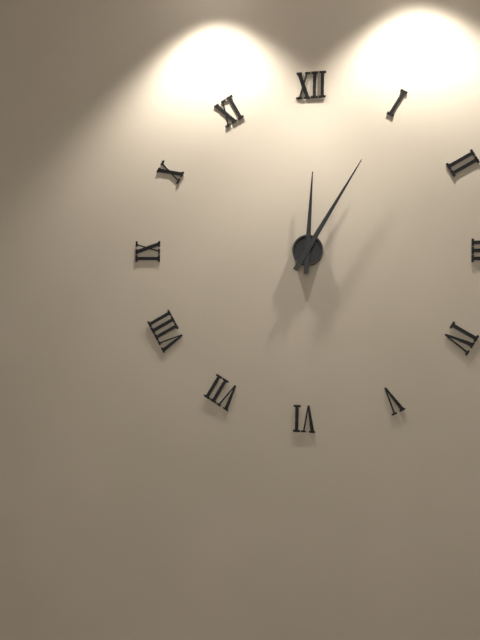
12:05
